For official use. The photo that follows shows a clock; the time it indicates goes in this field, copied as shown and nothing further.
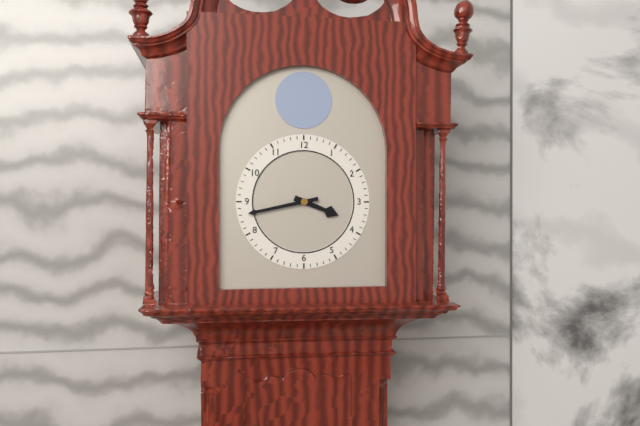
3:43
